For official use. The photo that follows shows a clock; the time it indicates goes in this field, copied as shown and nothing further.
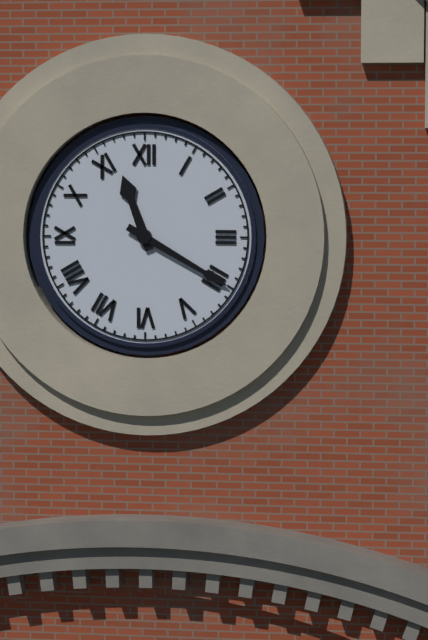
11:20
